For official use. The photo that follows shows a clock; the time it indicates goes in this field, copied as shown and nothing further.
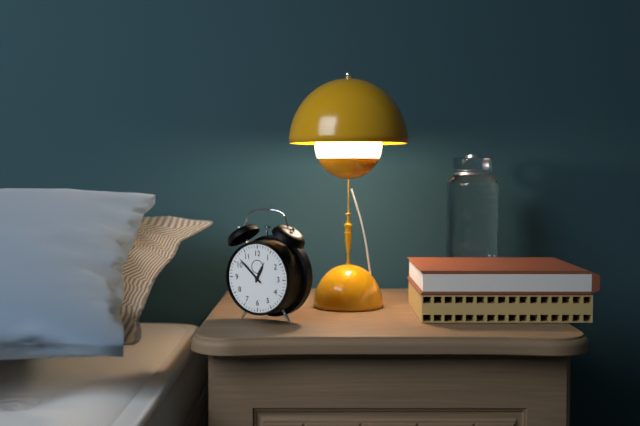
12:52
